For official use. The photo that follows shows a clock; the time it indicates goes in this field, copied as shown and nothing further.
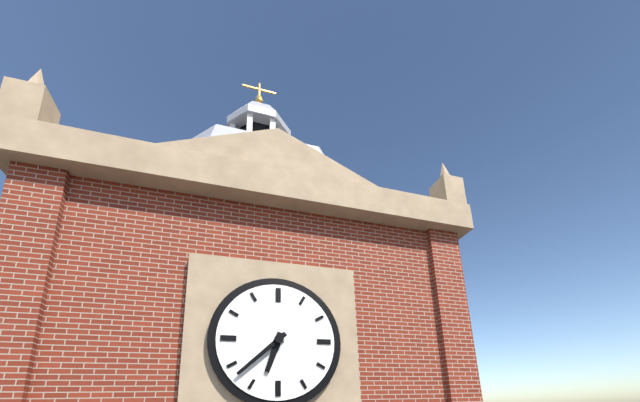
6:38
